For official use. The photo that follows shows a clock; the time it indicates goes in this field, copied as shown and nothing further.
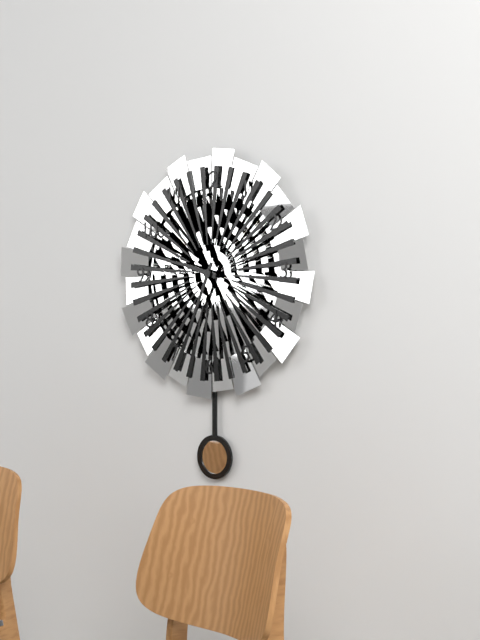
9:34
